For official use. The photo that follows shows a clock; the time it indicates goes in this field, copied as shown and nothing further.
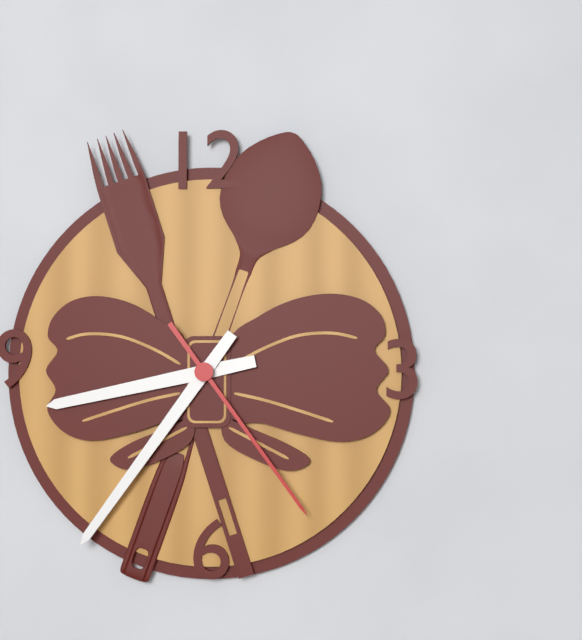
8:36:24
